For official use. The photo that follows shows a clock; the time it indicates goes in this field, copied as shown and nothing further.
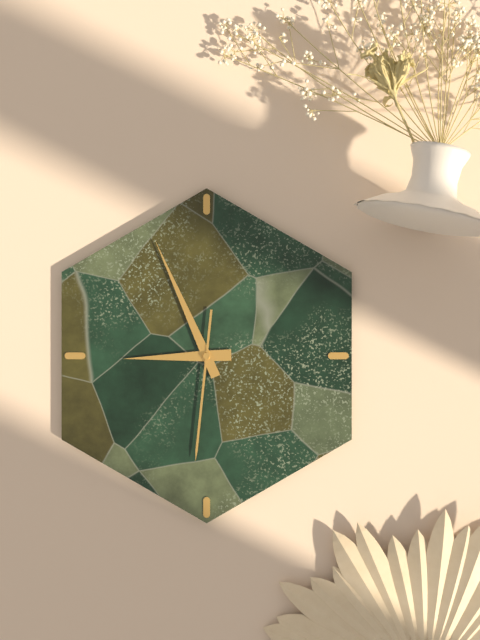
8:56:31
